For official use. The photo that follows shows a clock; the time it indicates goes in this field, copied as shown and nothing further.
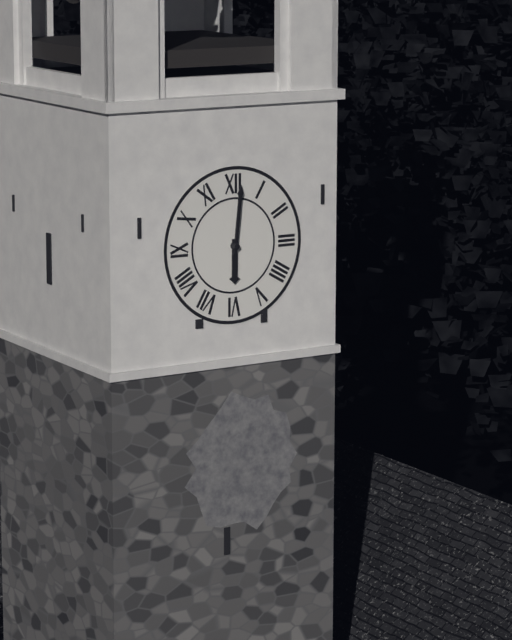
6:01
